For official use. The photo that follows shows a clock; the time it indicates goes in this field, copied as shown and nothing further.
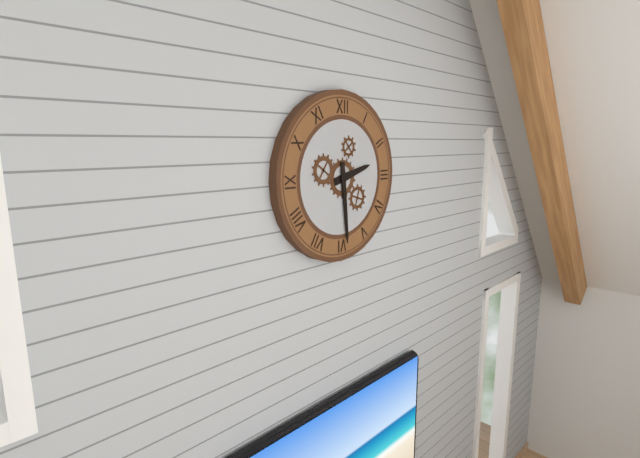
2:29
